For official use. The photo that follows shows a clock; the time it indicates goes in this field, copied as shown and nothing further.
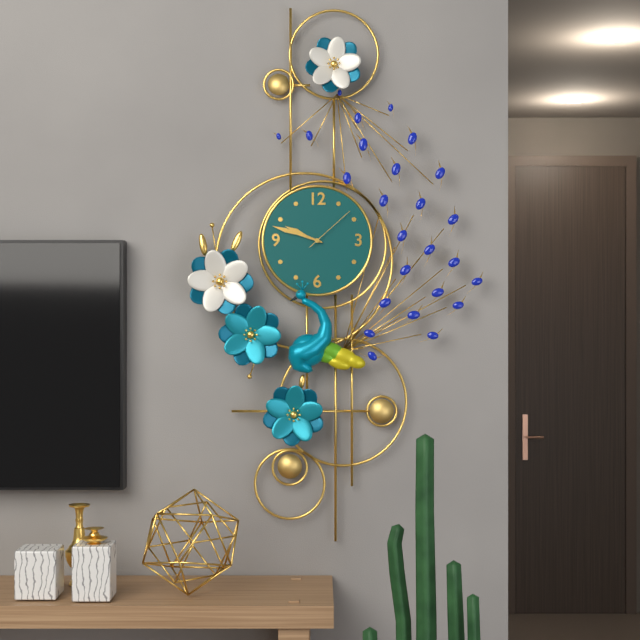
9:48:08
